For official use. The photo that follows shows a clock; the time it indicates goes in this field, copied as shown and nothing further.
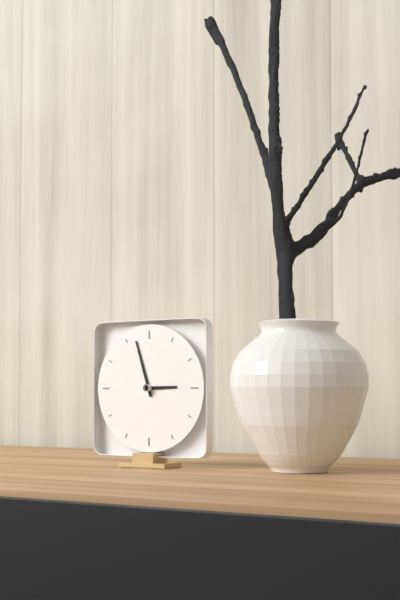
2:57
